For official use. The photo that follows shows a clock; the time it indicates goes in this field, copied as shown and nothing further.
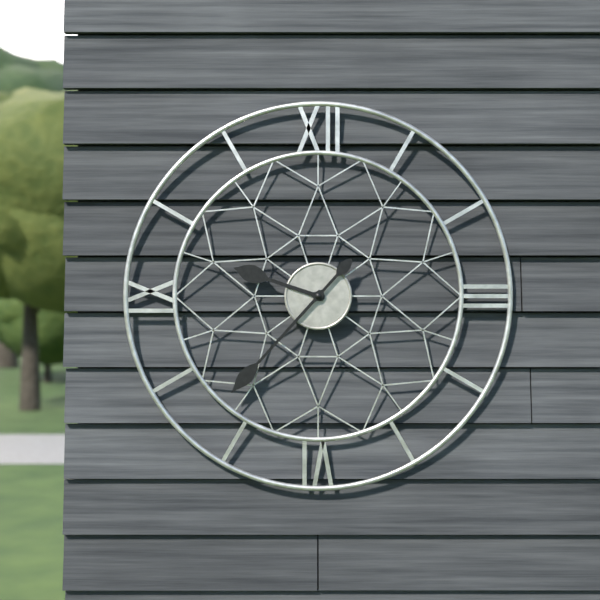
9:37
